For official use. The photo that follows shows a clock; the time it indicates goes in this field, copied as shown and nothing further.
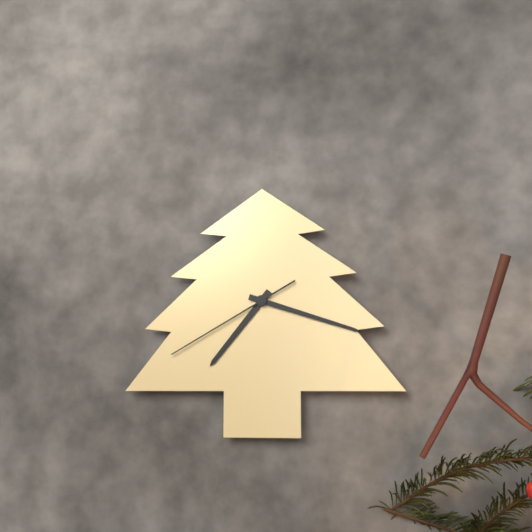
7:18:40
